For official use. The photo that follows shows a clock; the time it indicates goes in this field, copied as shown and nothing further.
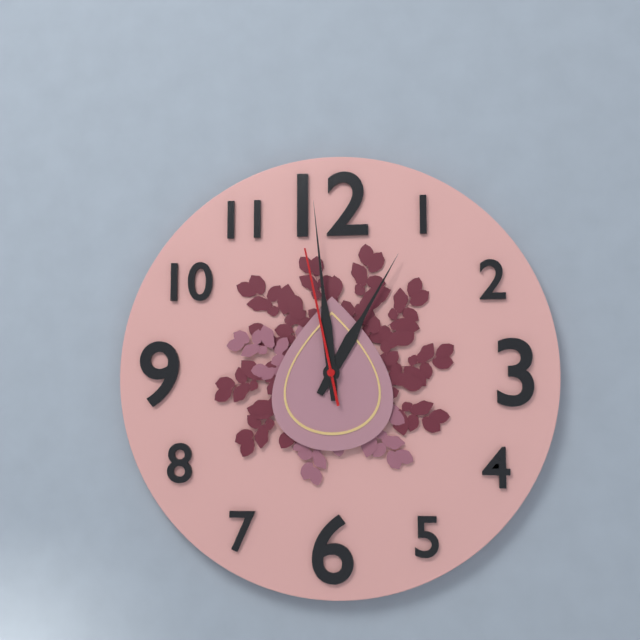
12:59:58
